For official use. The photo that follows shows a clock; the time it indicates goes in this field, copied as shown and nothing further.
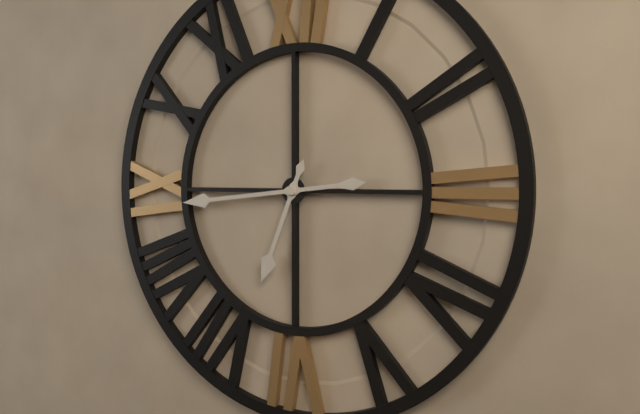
6:44
